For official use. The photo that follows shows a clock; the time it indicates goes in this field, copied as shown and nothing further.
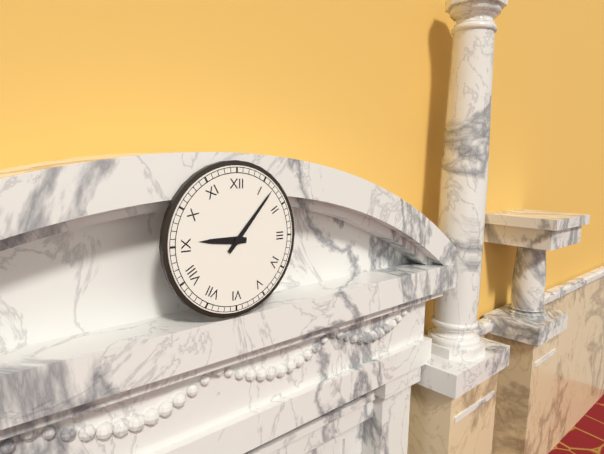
9:07
